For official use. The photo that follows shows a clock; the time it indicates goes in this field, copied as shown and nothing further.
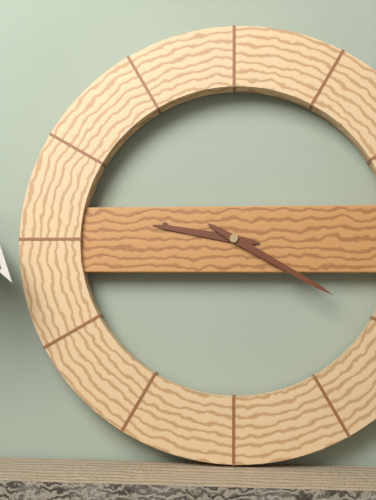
9:20
